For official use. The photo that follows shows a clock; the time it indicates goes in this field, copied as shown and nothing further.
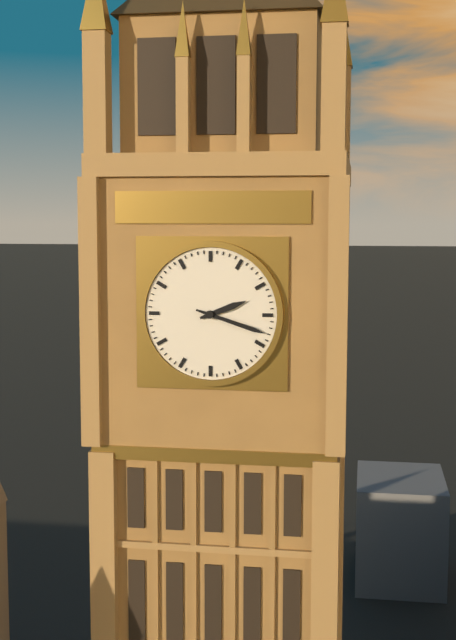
2:18
